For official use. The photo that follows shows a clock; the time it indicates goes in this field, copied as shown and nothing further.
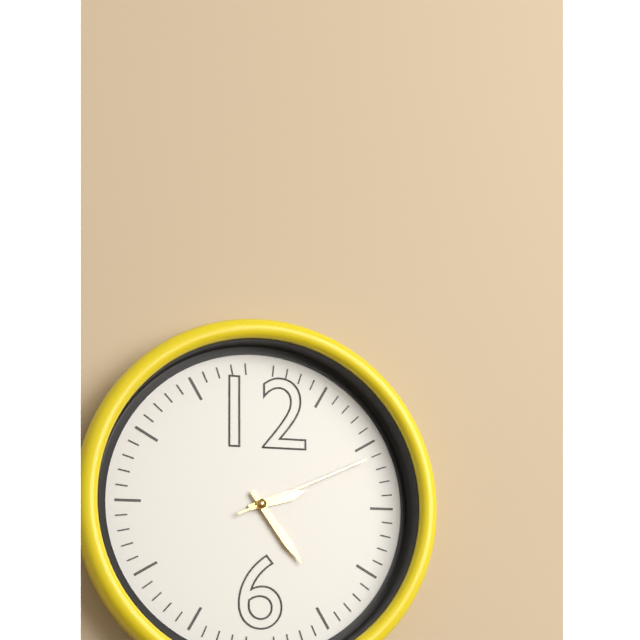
2:24:11
